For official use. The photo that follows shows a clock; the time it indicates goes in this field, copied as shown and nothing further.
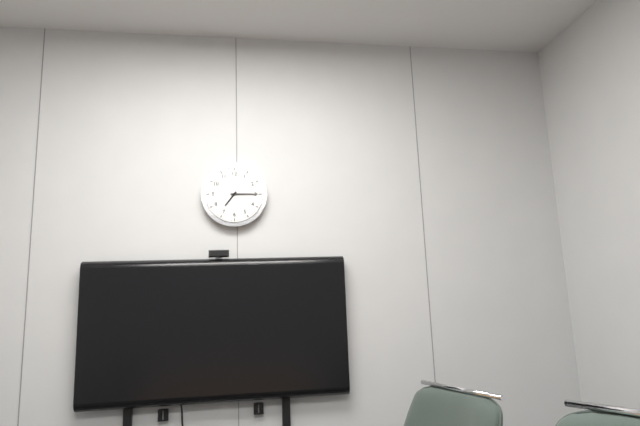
7:15
